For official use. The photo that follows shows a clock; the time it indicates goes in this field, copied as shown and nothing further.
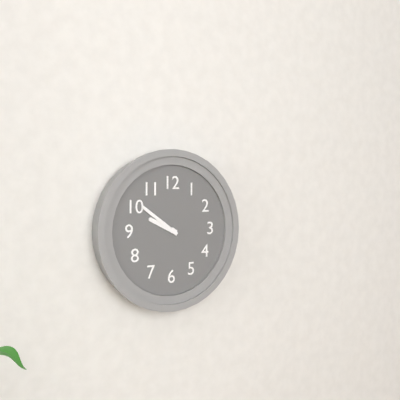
9:51
